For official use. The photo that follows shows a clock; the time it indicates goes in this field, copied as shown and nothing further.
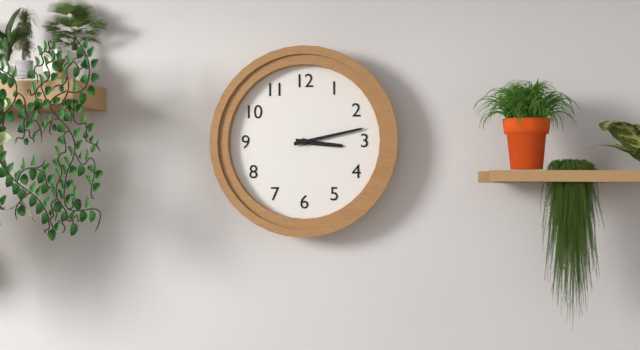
3:13
